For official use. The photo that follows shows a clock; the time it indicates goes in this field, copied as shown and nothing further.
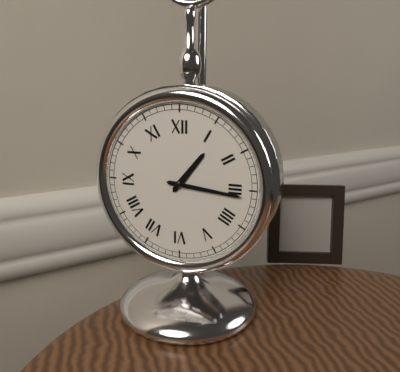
1:16
